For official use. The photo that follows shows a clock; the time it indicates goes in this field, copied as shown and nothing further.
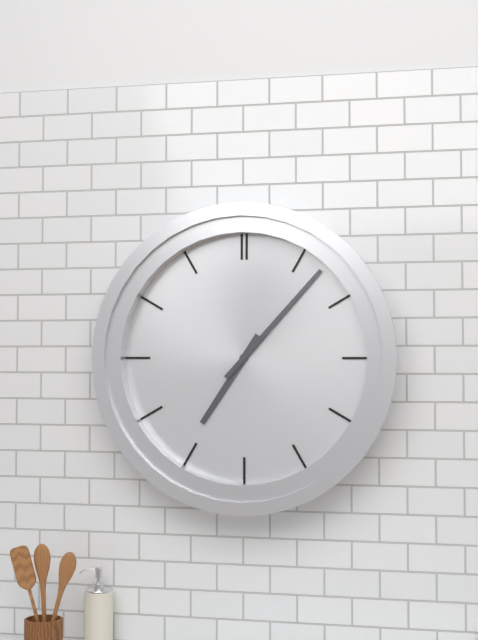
7:07
